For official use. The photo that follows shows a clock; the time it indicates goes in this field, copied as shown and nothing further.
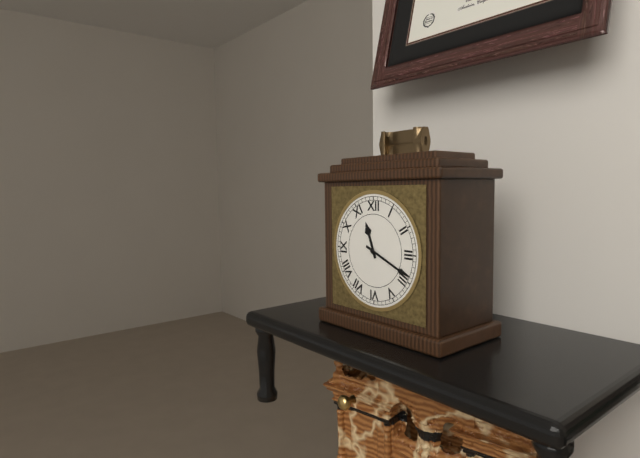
11:19
